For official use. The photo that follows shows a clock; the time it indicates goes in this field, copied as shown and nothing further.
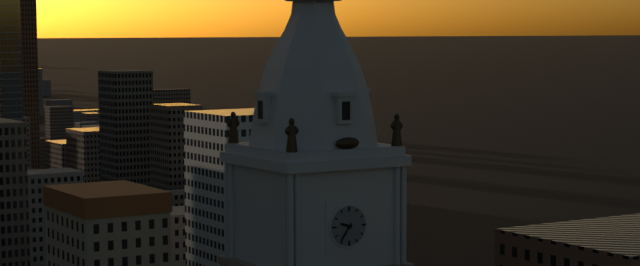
9:36
